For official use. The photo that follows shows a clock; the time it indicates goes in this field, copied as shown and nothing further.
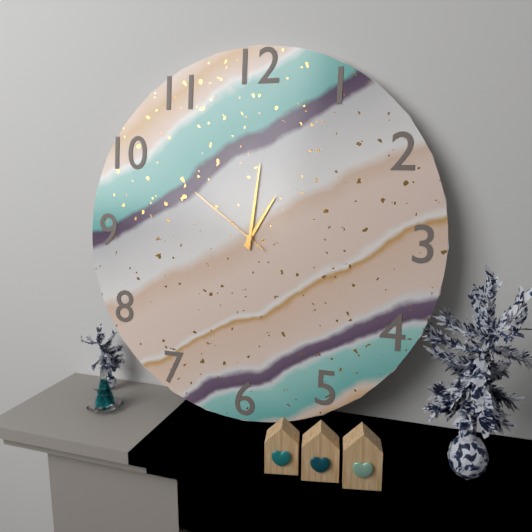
1:01:51
